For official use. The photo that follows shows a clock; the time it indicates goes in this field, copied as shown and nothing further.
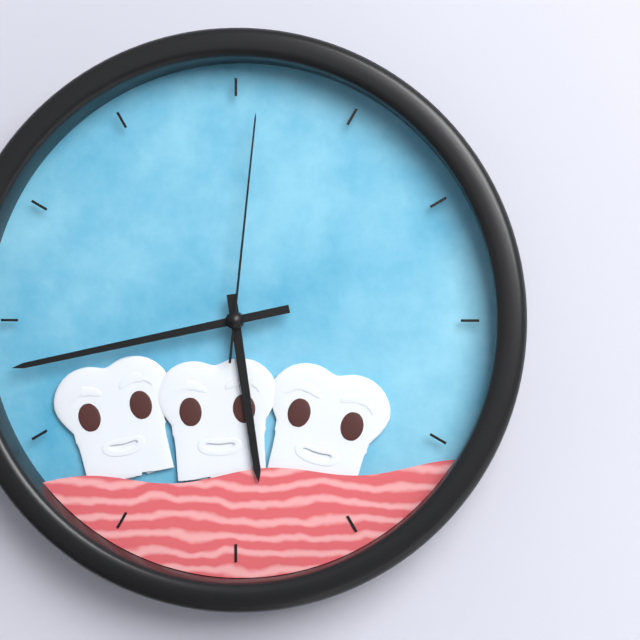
5:43:01
